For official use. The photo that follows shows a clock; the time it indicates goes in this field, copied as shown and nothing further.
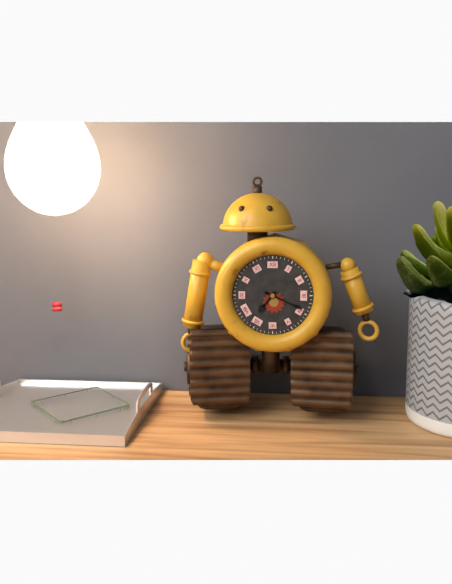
7:19
